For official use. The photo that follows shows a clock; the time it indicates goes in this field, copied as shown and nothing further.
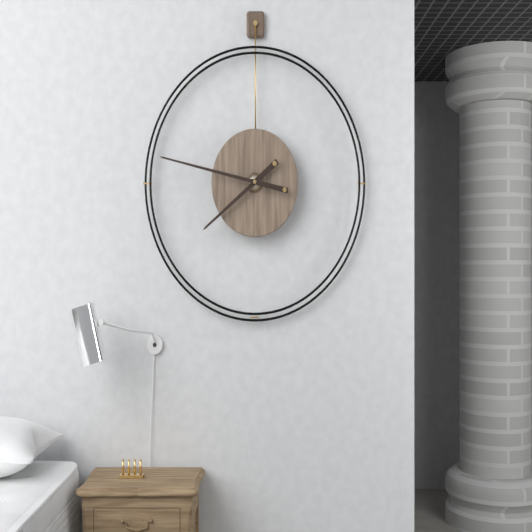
7:47
